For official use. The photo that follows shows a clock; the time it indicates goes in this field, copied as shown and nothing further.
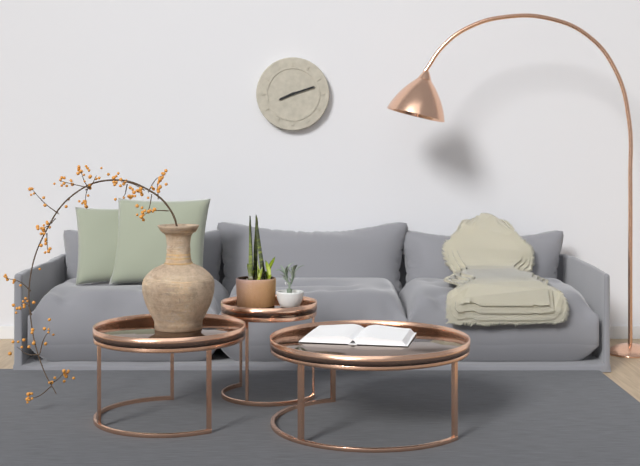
8:12
